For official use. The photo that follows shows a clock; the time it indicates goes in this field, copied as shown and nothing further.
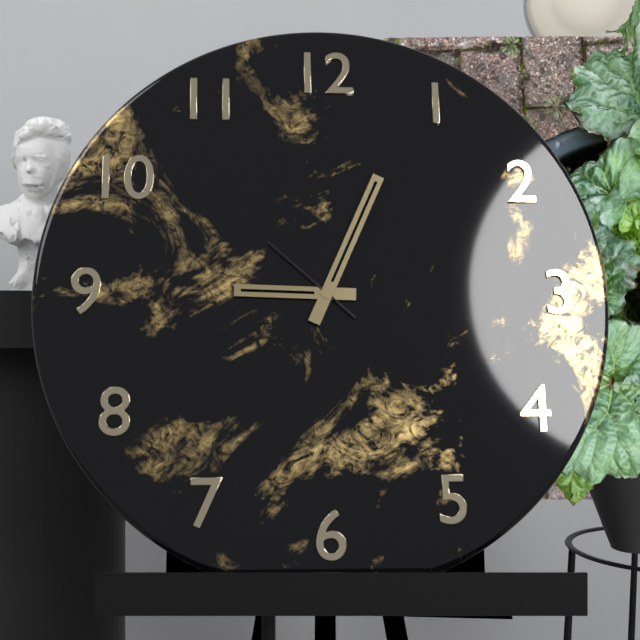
9:04:52
